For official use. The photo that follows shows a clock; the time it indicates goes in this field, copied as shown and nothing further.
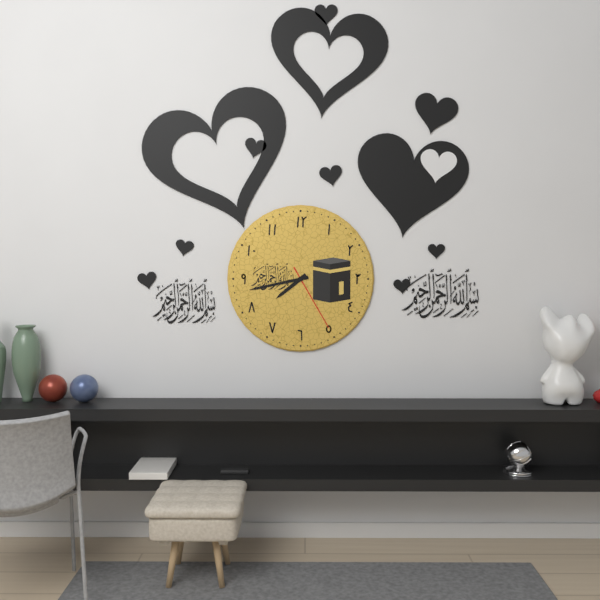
7:43:25
